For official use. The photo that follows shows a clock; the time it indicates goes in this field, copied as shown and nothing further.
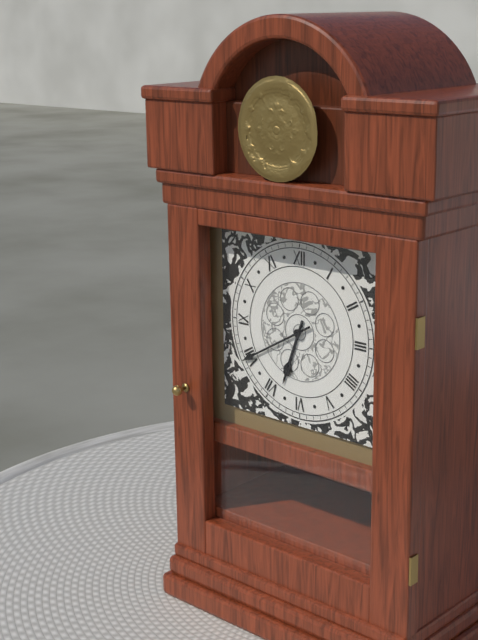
6:40
